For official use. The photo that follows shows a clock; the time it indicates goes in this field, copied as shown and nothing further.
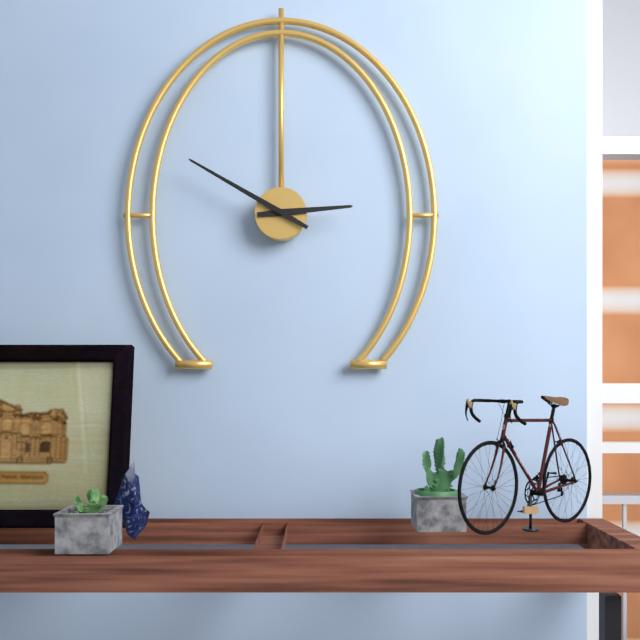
2:50
